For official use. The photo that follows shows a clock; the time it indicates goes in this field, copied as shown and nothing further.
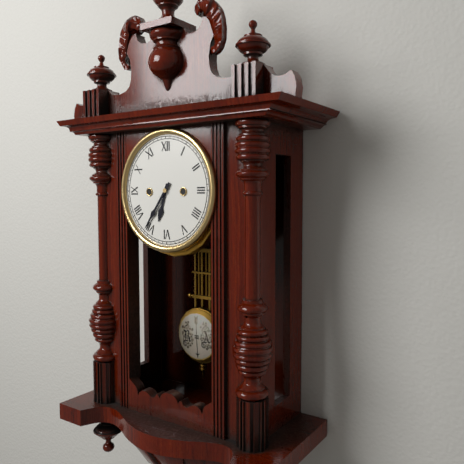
6:36
